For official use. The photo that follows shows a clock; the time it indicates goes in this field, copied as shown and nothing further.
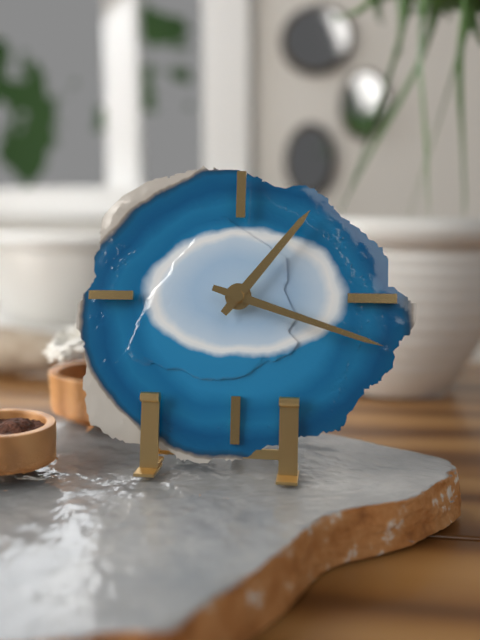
1:18
